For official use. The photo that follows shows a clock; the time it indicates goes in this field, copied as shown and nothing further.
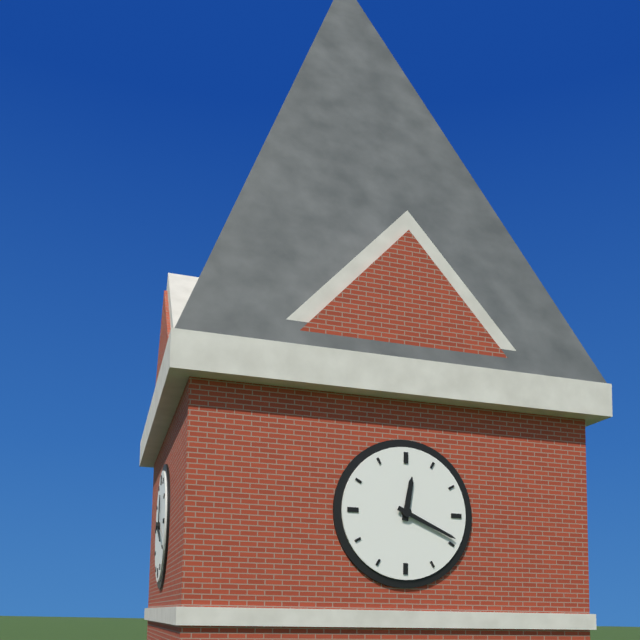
12:19
